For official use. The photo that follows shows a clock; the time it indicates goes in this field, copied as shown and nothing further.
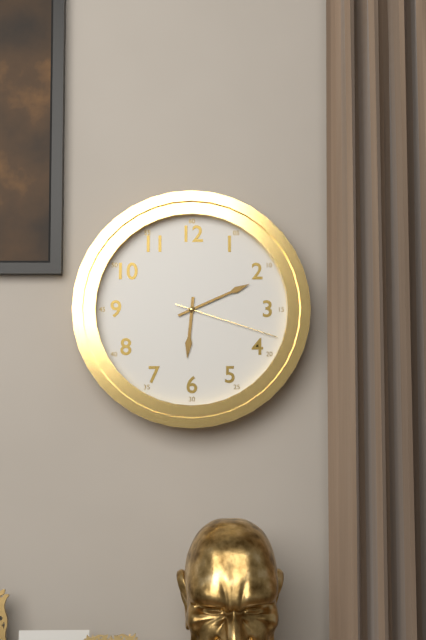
6:11:18
